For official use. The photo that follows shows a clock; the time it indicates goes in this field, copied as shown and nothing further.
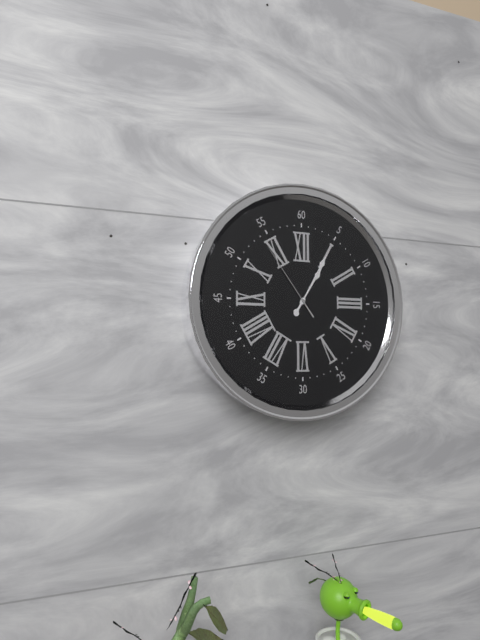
1:05:54
